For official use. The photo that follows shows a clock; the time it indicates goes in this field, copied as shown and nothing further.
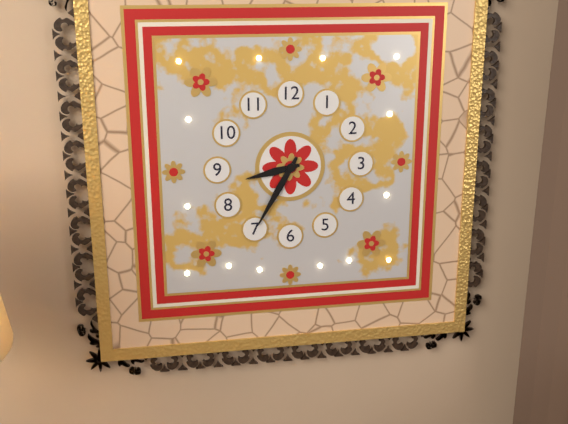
8:35
